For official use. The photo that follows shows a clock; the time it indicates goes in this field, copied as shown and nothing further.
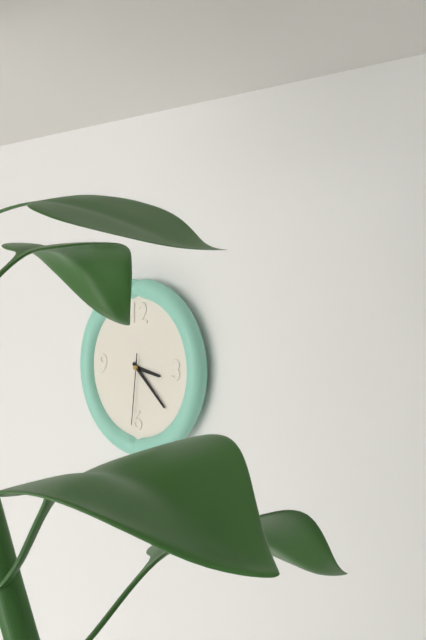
3:22:31
